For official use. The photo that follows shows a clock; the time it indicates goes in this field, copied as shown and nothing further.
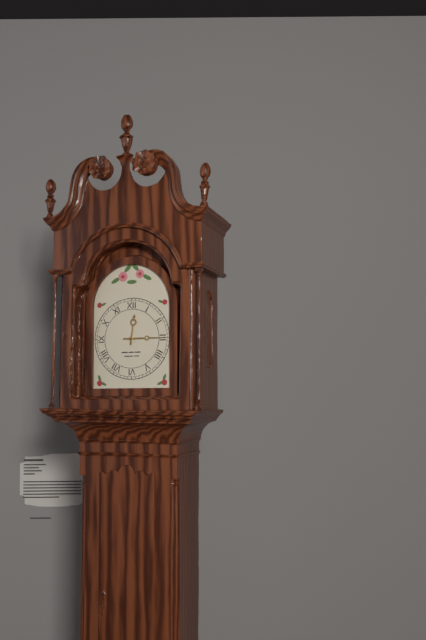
12:15
